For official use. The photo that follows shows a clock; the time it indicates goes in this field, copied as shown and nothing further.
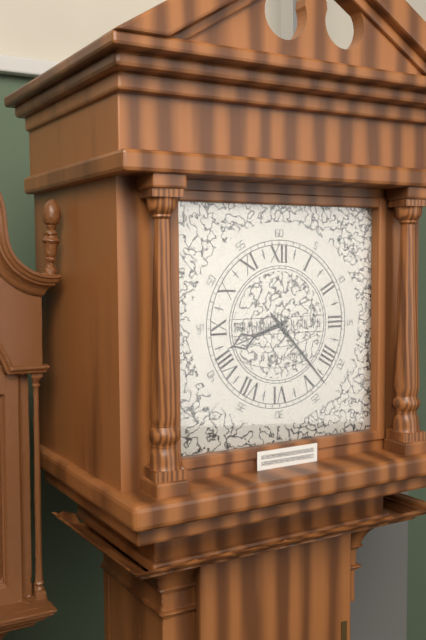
8:23
